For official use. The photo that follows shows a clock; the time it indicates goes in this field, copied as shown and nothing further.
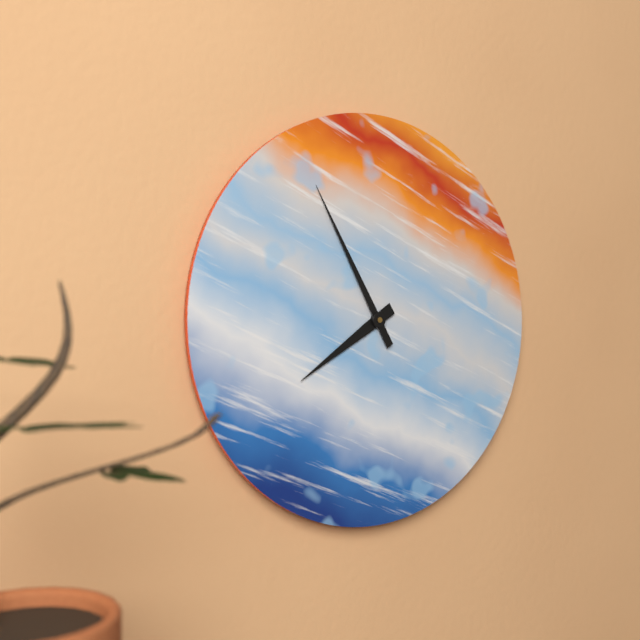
7:55
